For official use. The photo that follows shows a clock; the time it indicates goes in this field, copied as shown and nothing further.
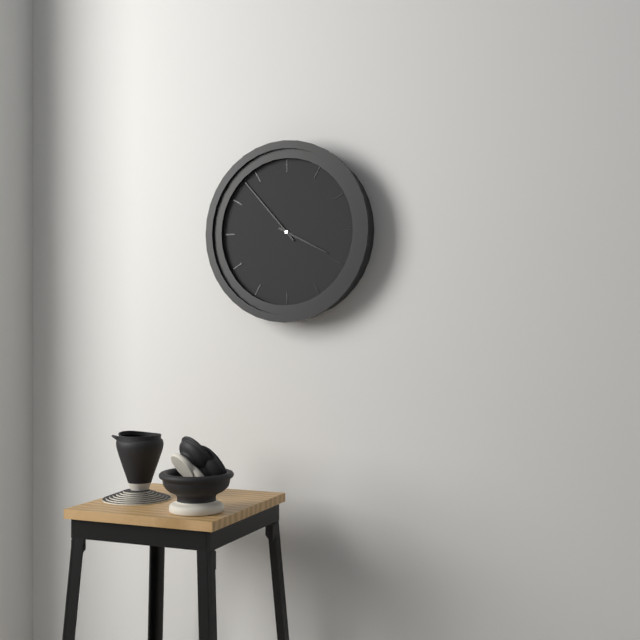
3:53
